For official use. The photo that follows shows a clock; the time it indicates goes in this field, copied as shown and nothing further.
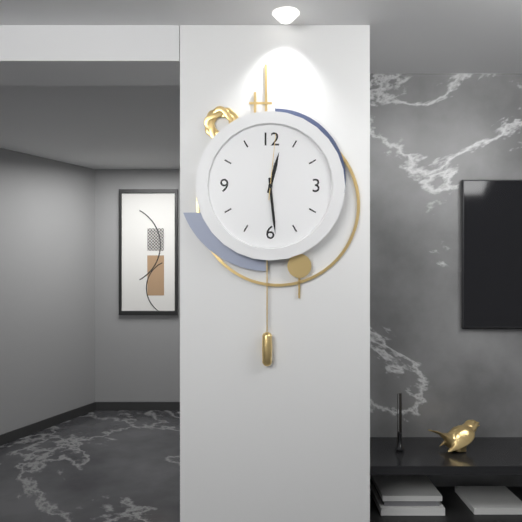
12:29:01
